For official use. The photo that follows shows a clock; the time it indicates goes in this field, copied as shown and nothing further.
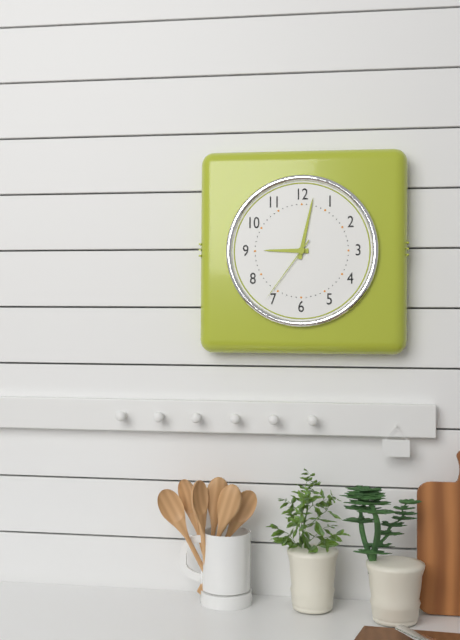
9:02:36
